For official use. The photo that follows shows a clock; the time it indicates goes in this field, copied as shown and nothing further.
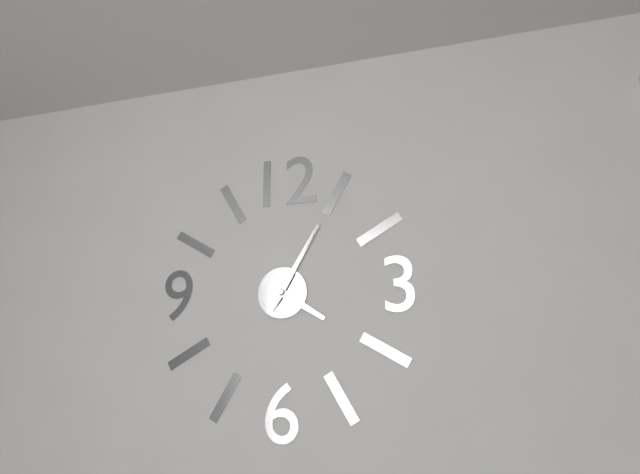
4:05:05
